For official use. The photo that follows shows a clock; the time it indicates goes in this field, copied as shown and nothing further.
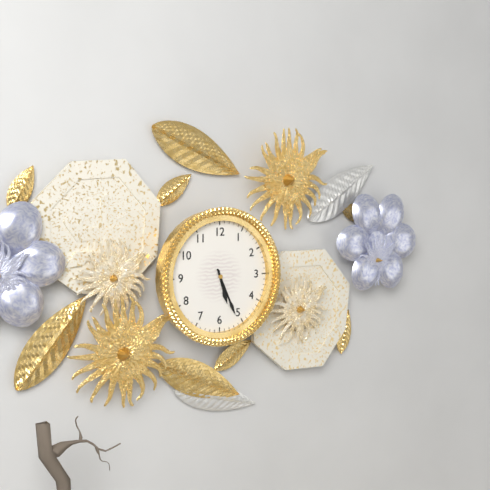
5:26
